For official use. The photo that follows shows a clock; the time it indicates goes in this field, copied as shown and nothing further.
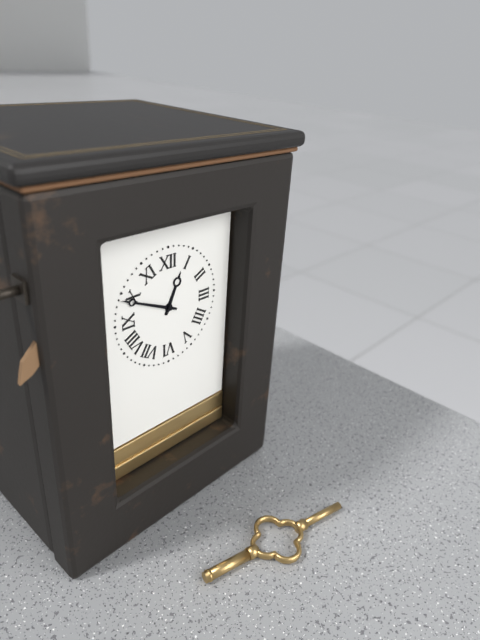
12:49
